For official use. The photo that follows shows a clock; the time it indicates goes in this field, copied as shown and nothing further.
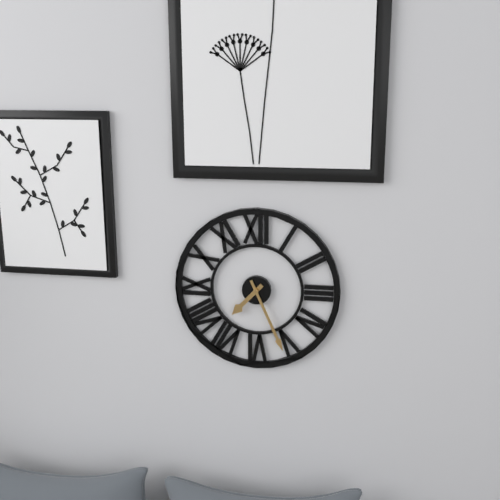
7:26
